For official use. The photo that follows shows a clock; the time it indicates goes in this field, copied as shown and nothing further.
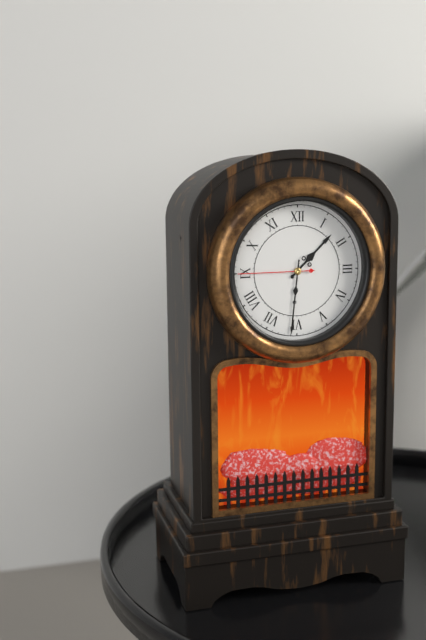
1:31:45
